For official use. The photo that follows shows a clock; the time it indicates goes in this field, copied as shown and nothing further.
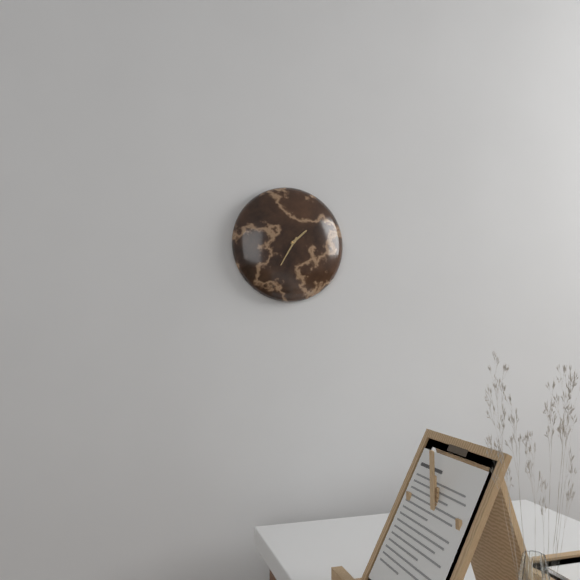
1:35
